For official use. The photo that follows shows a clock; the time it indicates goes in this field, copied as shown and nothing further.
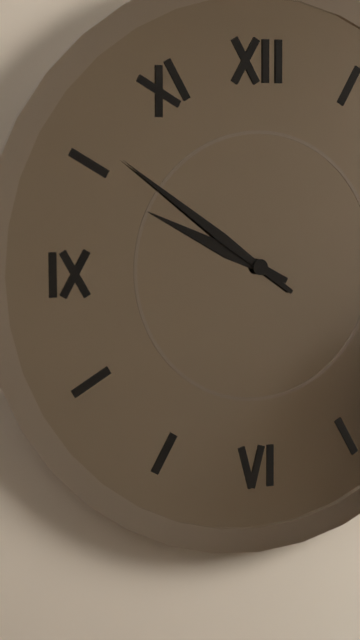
9:51
